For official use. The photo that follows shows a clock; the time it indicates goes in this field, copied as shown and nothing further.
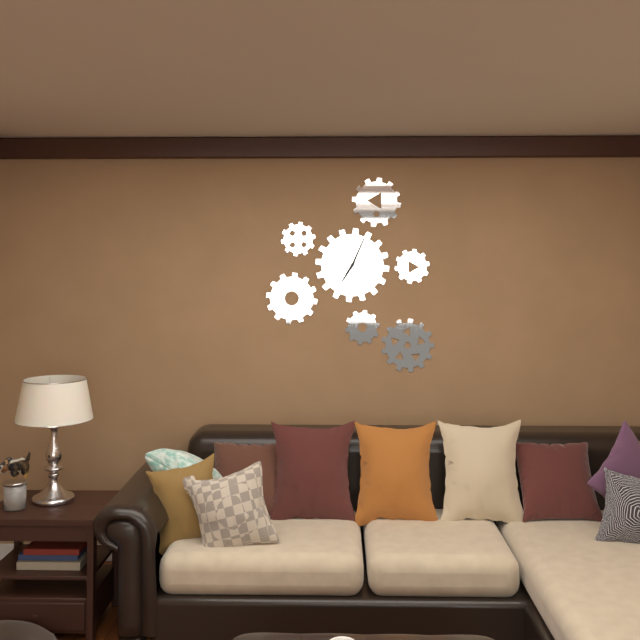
7:04
